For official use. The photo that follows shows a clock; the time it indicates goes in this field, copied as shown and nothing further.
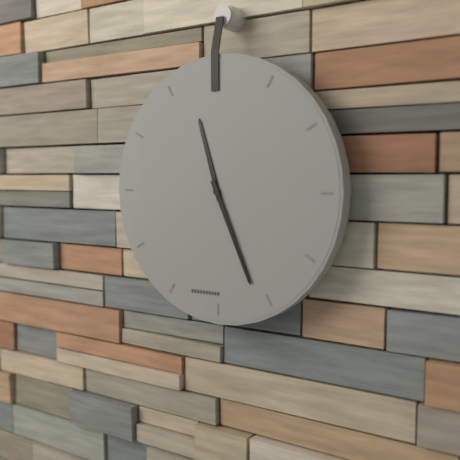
11:26
